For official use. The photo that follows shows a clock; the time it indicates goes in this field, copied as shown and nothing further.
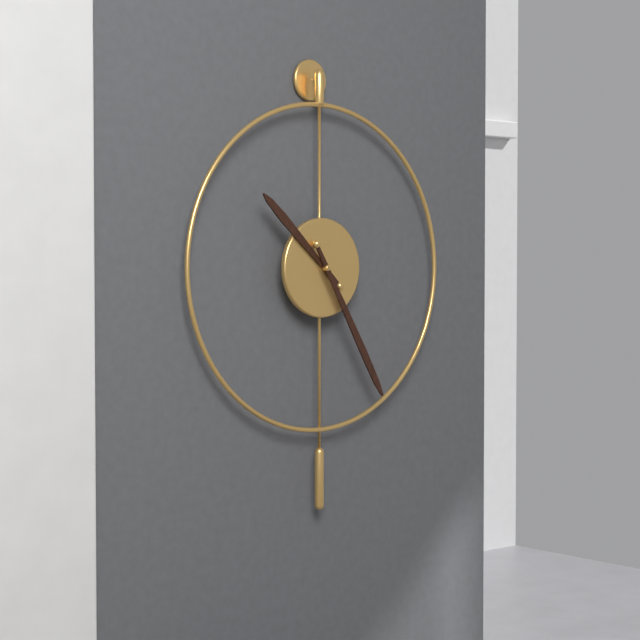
10:25
